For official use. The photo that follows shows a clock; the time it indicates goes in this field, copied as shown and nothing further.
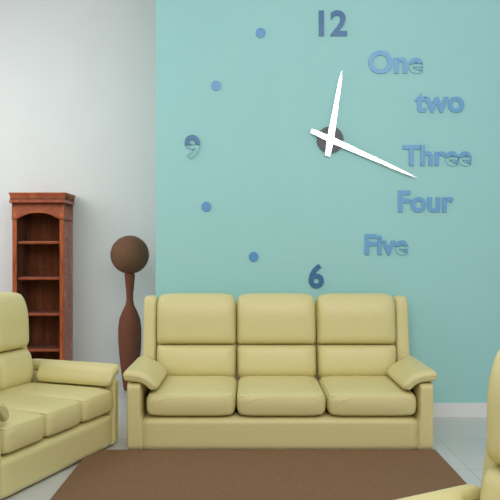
12:19
